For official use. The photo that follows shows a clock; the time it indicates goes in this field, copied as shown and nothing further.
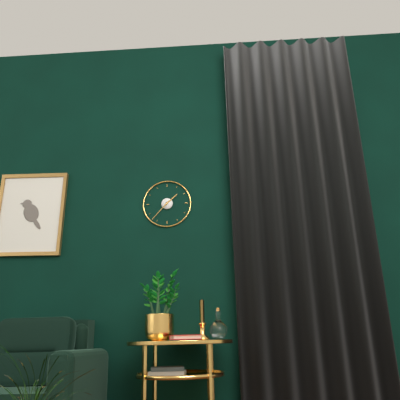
1:37
